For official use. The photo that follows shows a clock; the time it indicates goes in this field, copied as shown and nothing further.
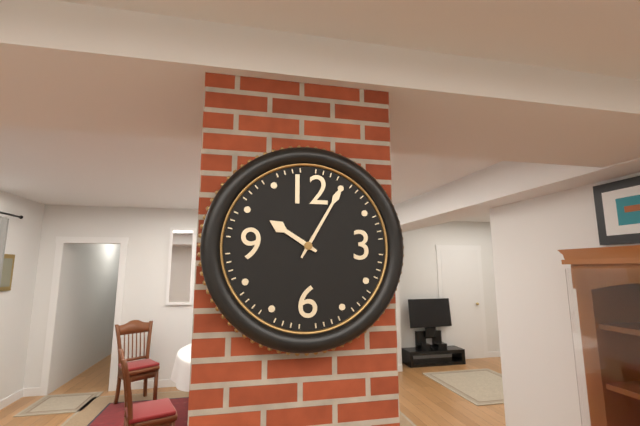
10:05
